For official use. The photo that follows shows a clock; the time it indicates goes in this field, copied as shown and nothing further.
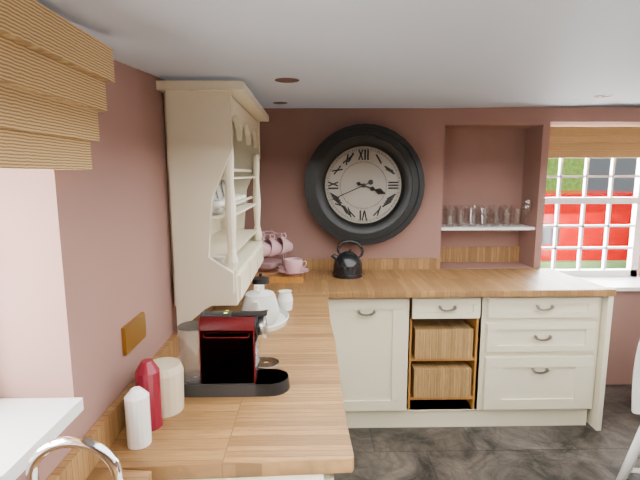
3:41
